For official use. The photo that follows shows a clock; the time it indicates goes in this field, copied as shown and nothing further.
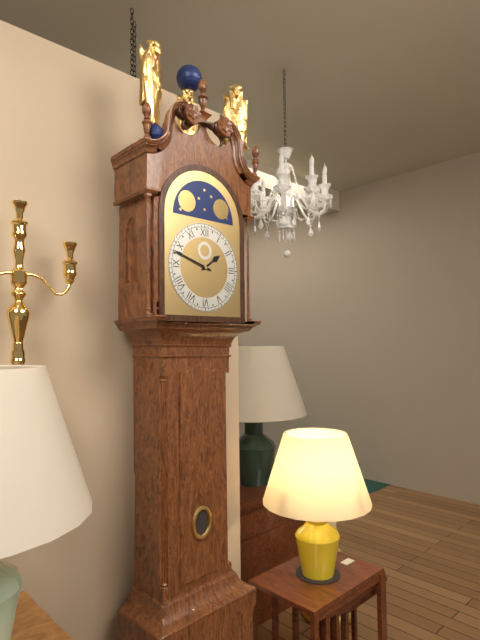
1:48
